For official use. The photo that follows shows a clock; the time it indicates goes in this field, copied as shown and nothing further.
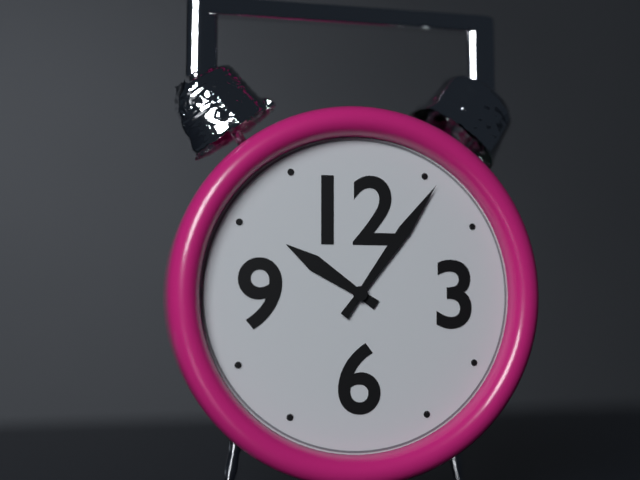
10:06
